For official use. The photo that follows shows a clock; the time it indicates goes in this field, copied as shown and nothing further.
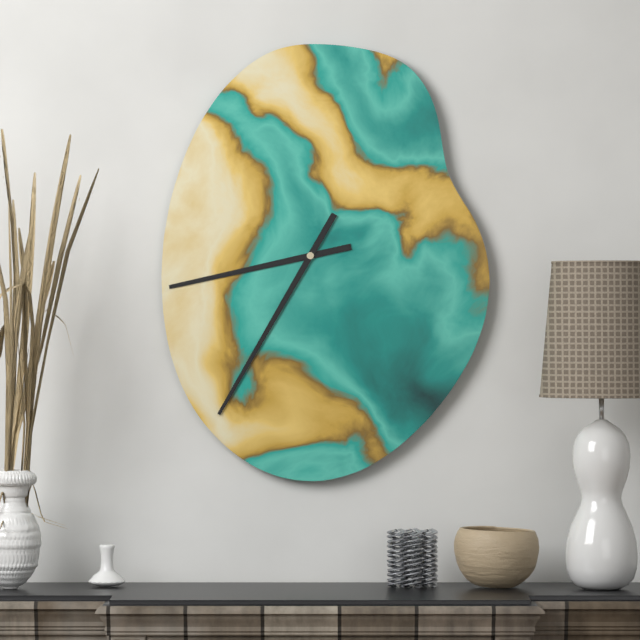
8:35
